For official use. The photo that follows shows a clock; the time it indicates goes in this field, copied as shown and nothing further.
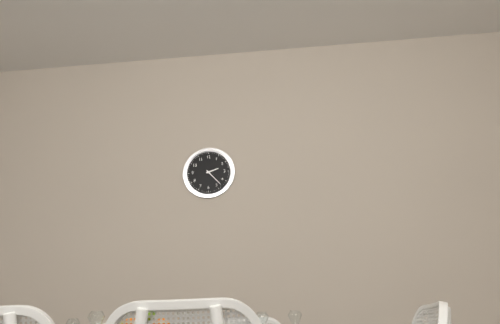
2:23
